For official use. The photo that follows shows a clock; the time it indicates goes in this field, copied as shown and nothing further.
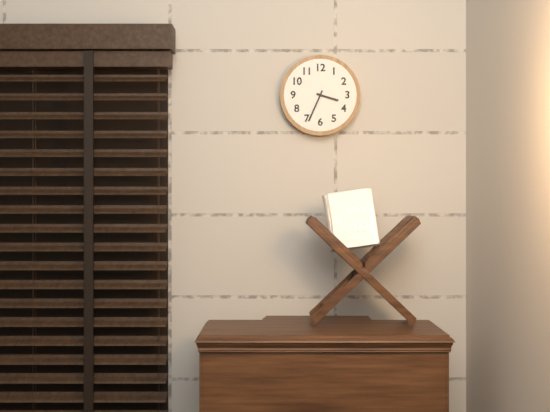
3:34
